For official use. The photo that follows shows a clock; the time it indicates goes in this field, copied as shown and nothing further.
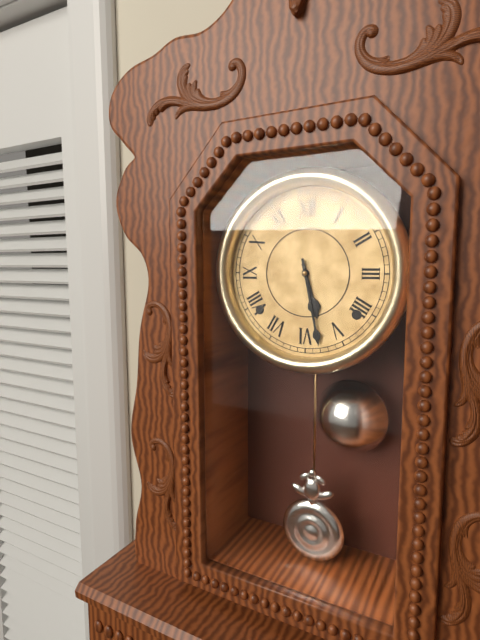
5:28
